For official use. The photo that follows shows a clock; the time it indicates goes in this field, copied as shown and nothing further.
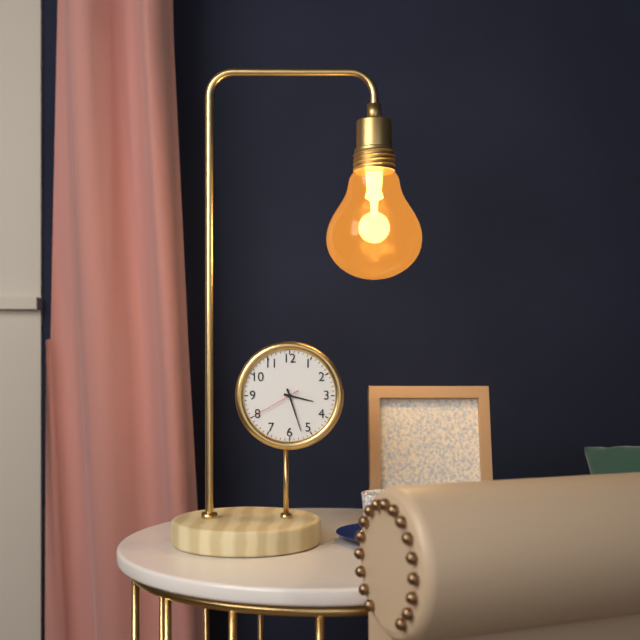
3:27:40
